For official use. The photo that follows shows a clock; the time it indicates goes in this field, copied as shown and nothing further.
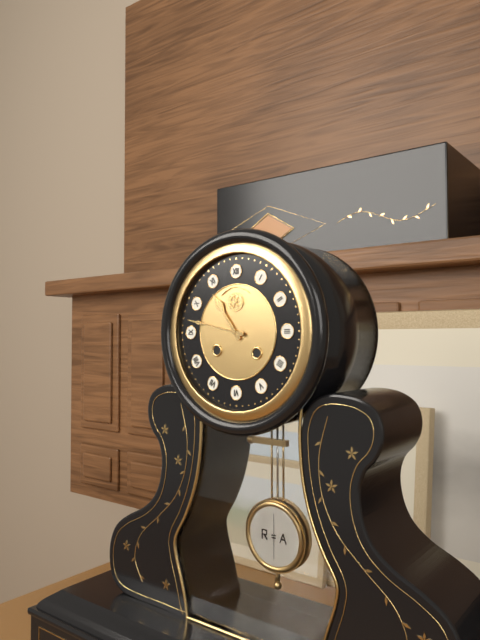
10:47
